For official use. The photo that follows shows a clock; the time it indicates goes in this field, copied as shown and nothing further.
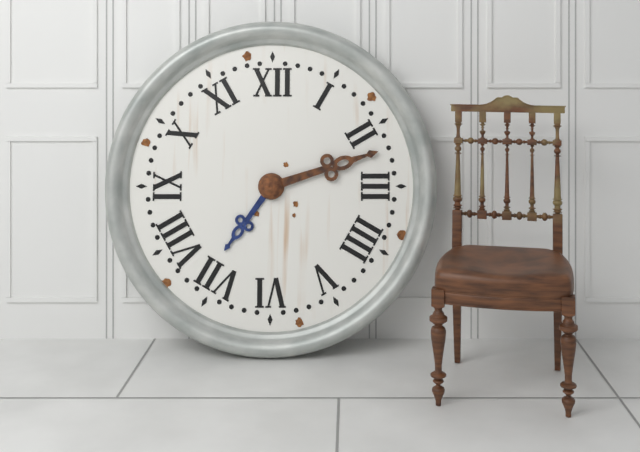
7:12
